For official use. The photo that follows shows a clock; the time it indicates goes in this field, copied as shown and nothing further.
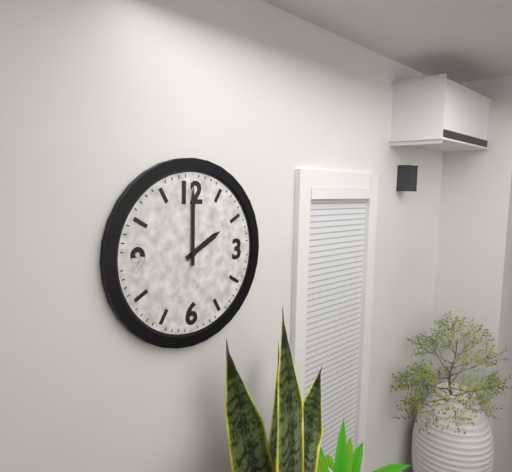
2:00
